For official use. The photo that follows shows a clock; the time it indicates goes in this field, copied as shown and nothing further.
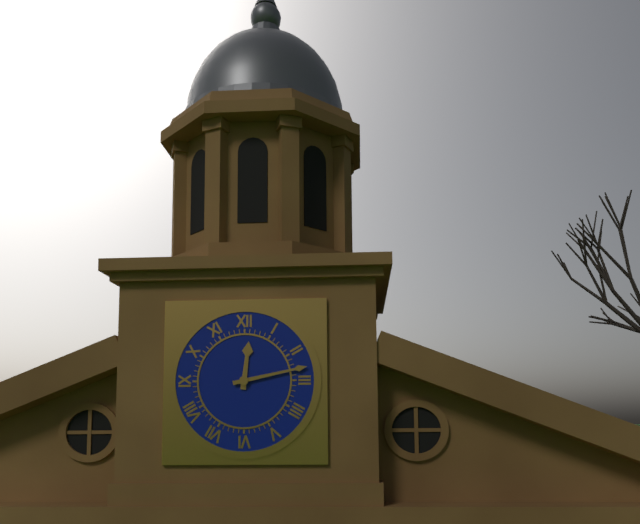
12:13
